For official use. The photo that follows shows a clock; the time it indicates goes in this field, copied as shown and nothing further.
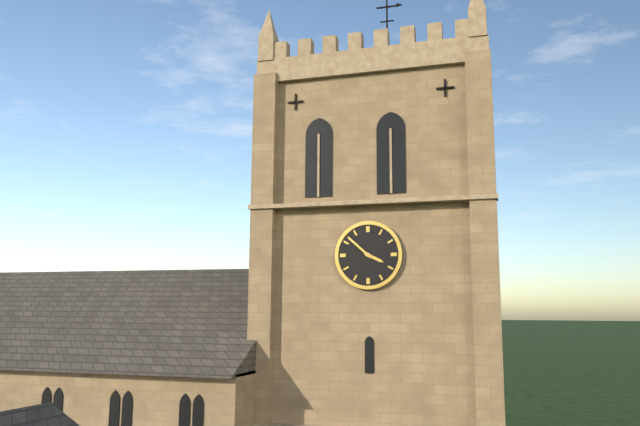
3:52
